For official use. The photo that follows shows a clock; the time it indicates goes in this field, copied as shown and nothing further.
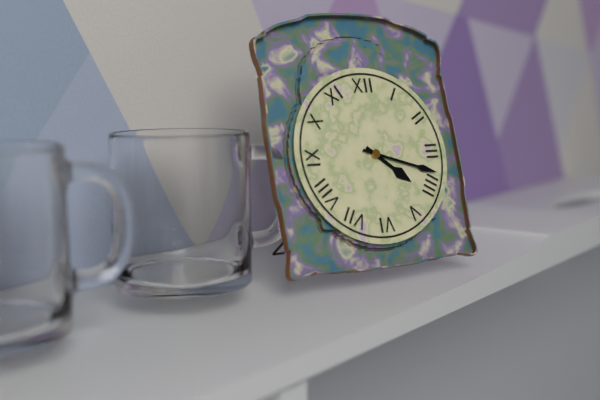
4:18
